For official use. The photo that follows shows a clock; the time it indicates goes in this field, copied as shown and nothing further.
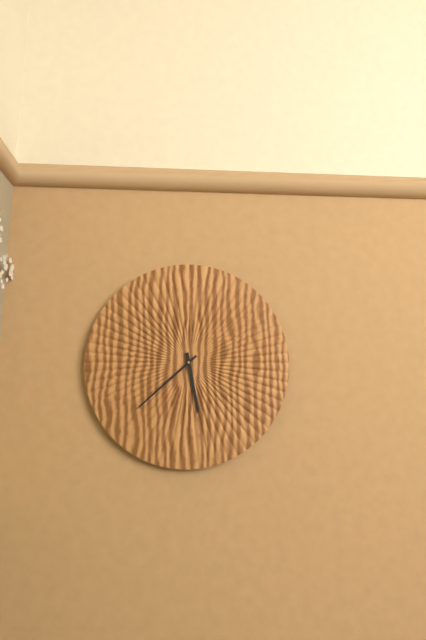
5:38
